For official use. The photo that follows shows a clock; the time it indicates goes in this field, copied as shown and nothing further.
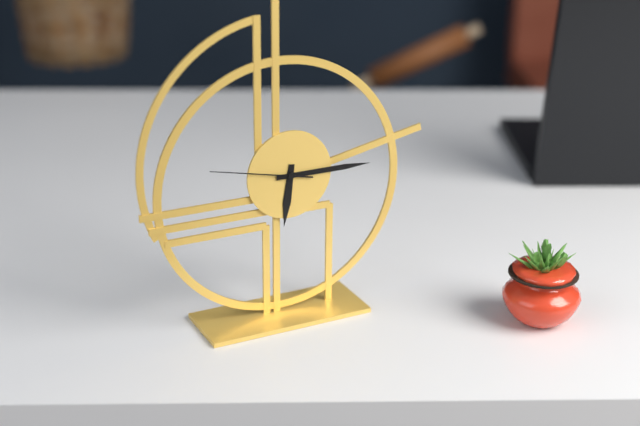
6:15:47
